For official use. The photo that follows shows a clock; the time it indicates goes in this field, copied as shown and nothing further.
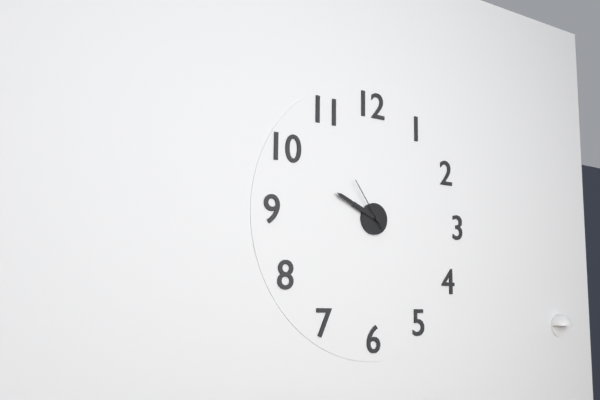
9:49:54
